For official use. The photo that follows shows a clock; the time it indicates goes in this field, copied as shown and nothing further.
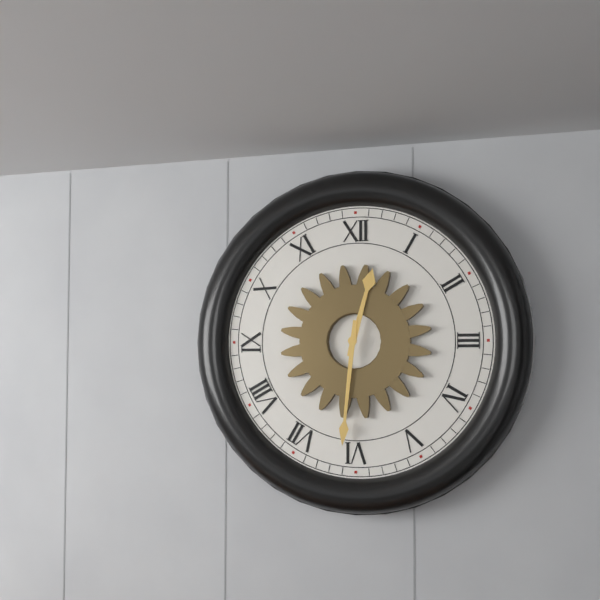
12:31
